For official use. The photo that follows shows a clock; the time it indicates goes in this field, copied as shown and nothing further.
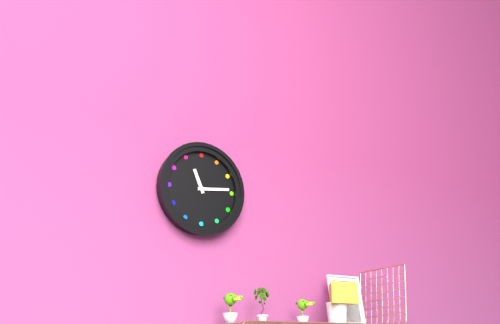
11:14
